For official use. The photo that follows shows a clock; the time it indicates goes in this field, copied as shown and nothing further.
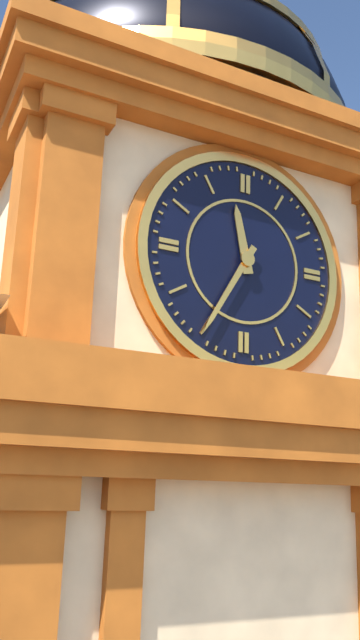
11:35
